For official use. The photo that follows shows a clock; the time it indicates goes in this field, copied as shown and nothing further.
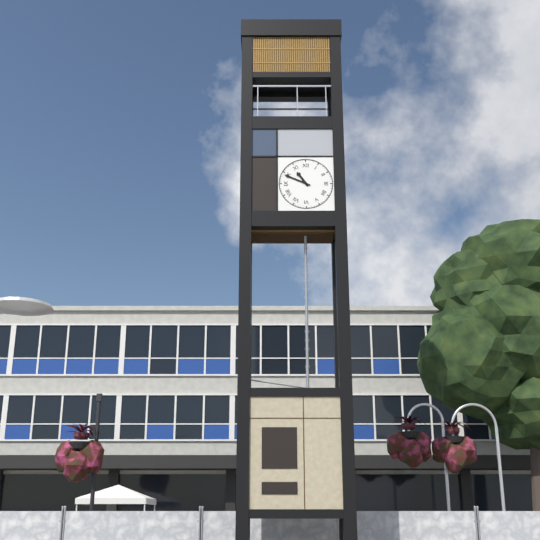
10:49
